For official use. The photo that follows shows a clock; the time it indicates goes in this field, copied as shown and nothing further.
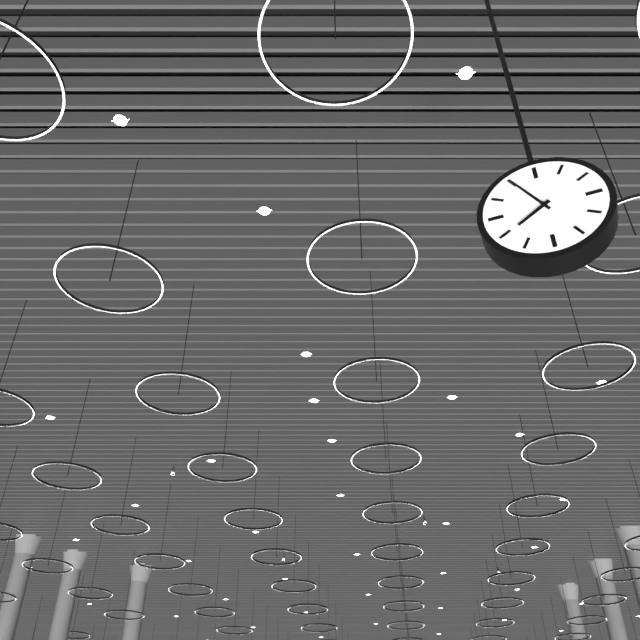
7:55
